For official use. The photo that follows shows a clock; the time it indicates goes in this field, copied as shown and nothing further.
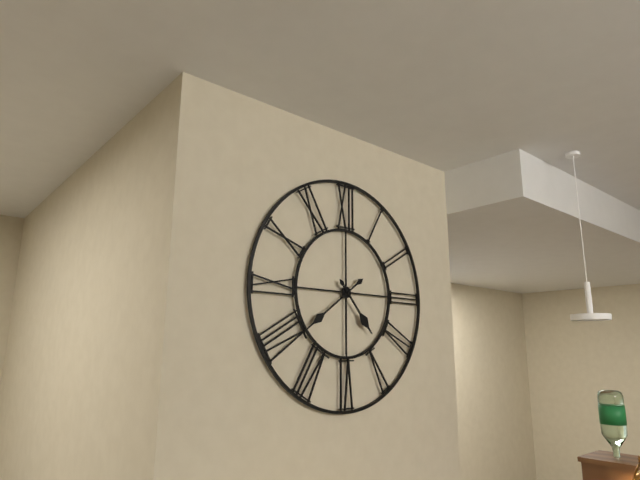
4:39
